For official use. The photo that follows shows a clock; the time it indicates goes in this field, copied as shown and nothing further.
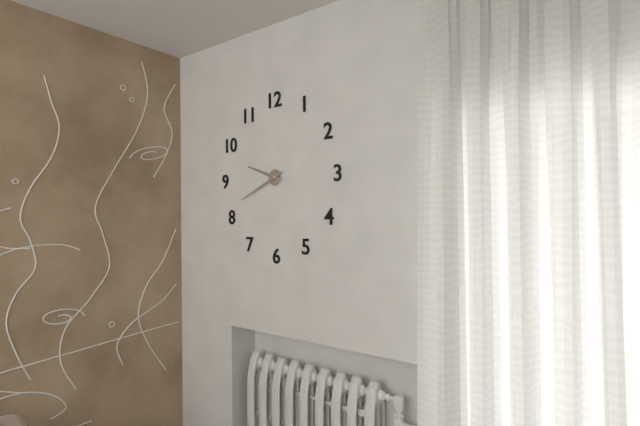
9:41
